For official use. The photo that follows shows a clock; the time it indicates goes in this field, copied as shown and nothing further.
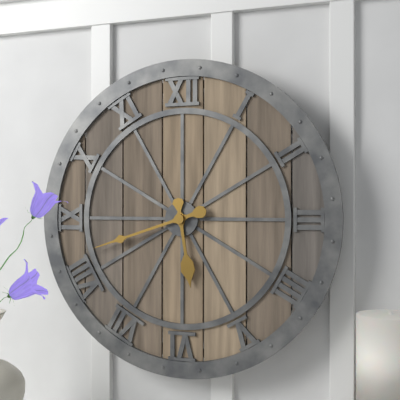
5:42
